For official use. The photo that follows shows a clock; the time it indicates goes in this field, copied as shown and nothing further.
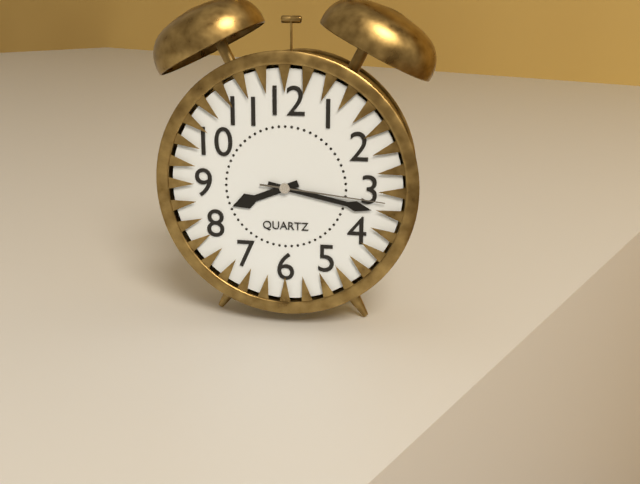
8:17:16
